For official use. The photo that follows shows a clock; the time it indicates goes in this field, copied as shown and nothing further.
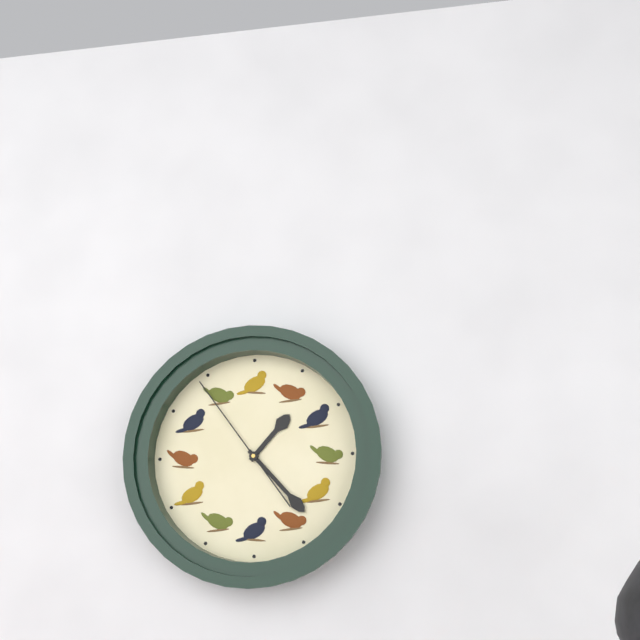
1:23:54
